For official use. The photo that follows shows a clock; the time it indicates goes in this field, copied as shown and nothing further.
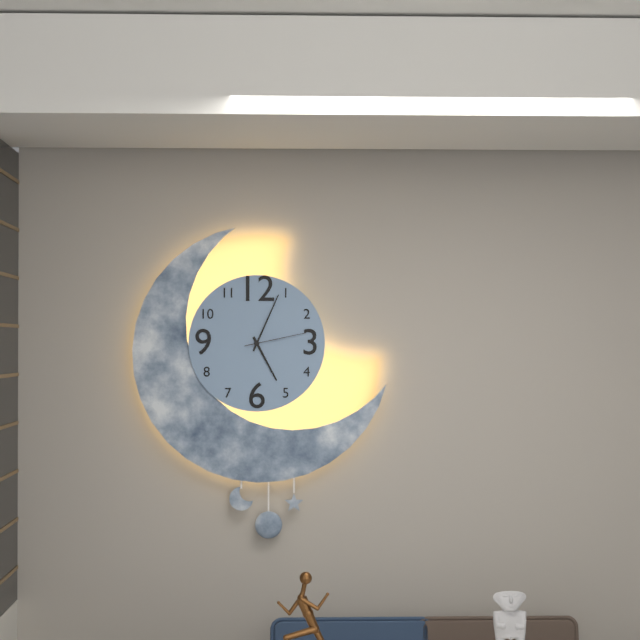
5:04:13
